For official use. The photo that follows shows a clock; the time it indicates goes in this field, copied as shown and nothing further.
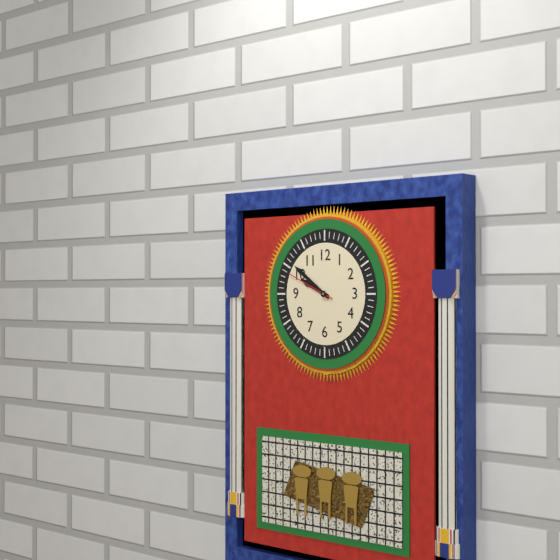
9:51:49
